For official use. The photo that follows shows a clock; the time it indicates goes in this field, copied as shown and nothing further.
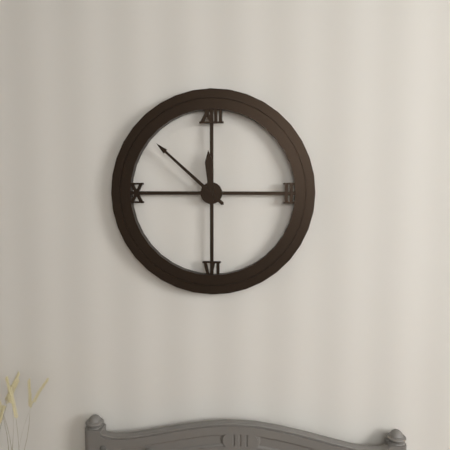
11:52
